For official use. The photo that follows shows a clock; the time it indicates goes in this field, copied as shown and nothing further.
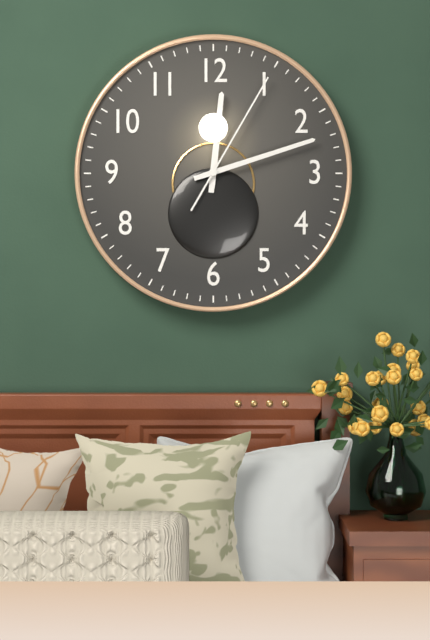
12:12:05
